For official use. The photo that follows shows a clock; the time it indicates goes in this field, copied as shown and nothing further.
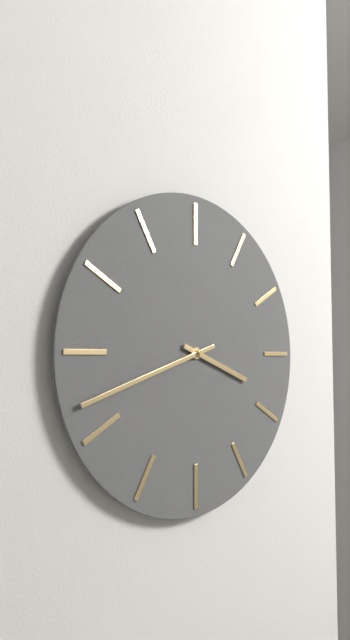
3:42
